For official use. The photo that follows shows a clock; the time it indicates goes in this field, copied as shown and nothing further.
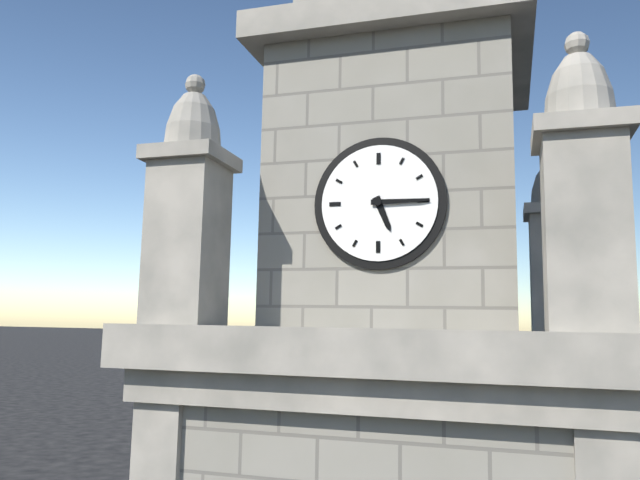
5:15
